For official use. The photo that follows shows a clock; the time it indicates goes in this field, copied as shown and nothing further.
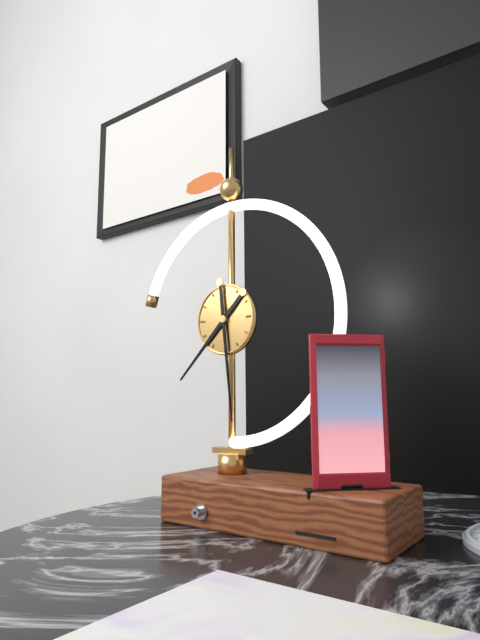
7:29
